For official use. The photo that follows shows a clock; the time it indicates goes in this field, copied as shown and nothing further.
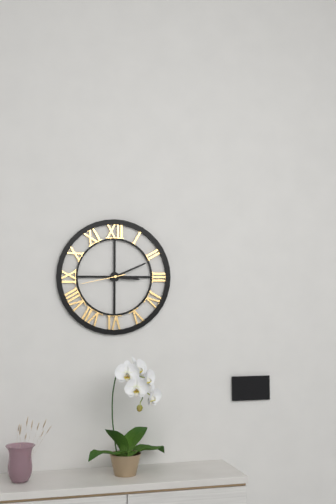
3:11
